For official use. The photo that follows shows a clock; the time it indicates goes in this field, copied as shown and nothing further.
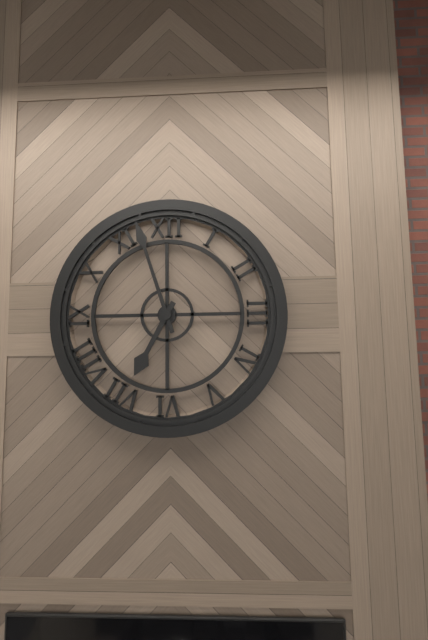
6:57
